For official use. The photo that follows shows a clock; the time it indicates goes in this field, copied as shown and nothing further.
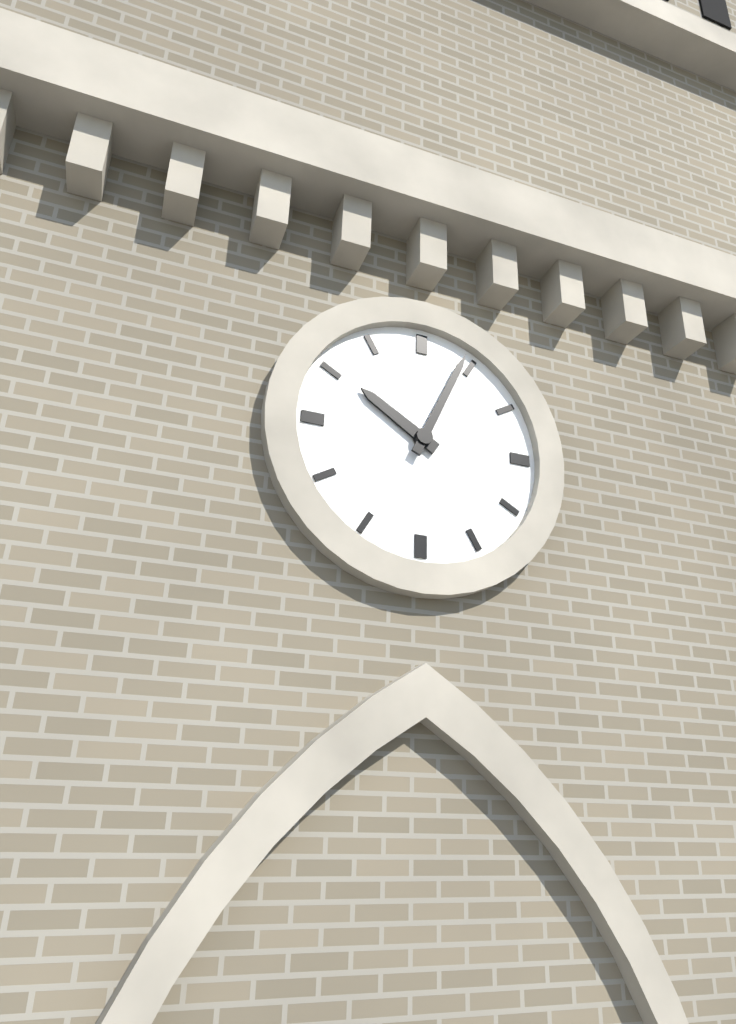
10:04
